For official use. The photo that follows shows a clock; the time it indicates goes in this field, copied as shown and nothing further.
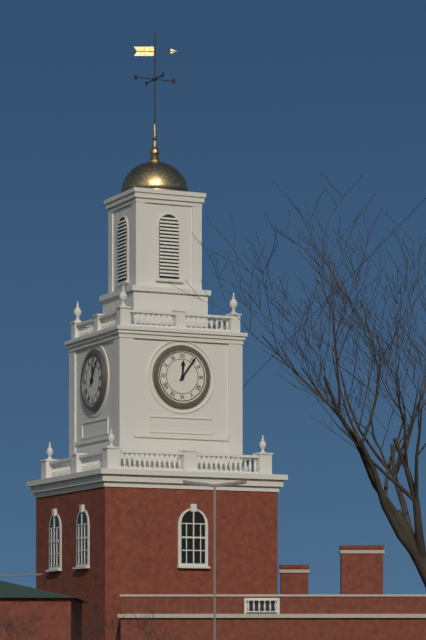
12:06
